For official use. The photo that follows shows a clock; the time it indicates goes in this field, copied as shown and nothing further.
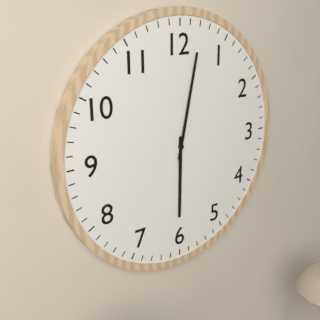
6:02
